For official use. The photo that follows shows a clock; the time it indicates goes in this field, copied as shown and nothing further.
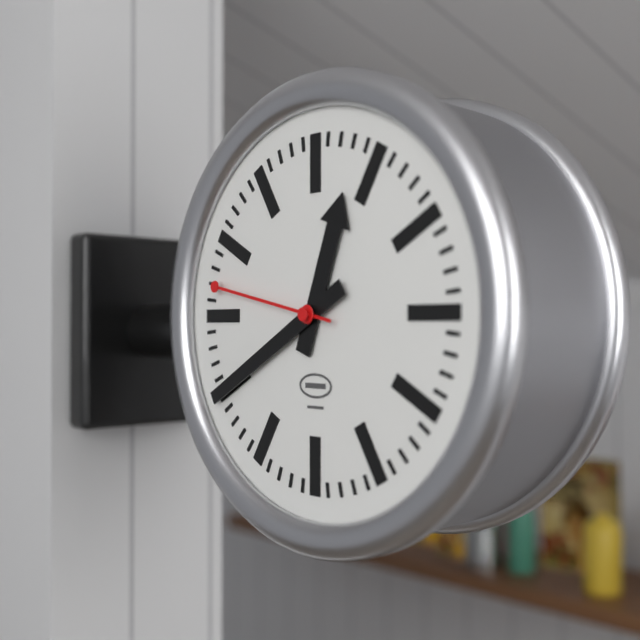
12:40:47
